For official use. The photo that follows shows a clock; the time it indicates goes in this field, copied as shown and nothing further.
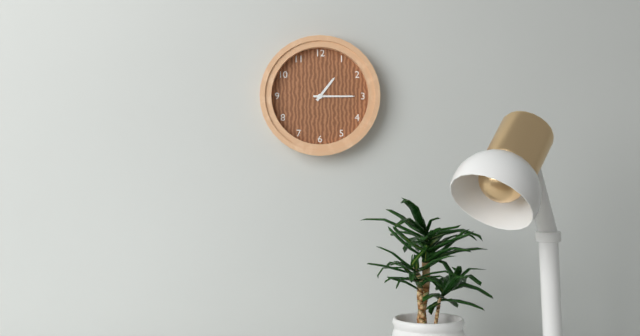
1:15
